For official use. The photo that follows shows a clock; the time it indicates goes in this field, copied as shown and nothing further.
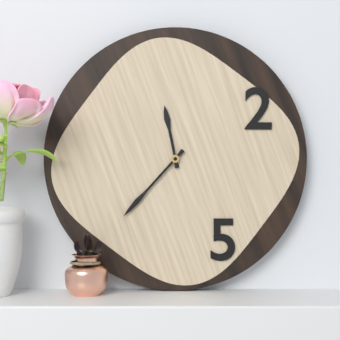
11:37
